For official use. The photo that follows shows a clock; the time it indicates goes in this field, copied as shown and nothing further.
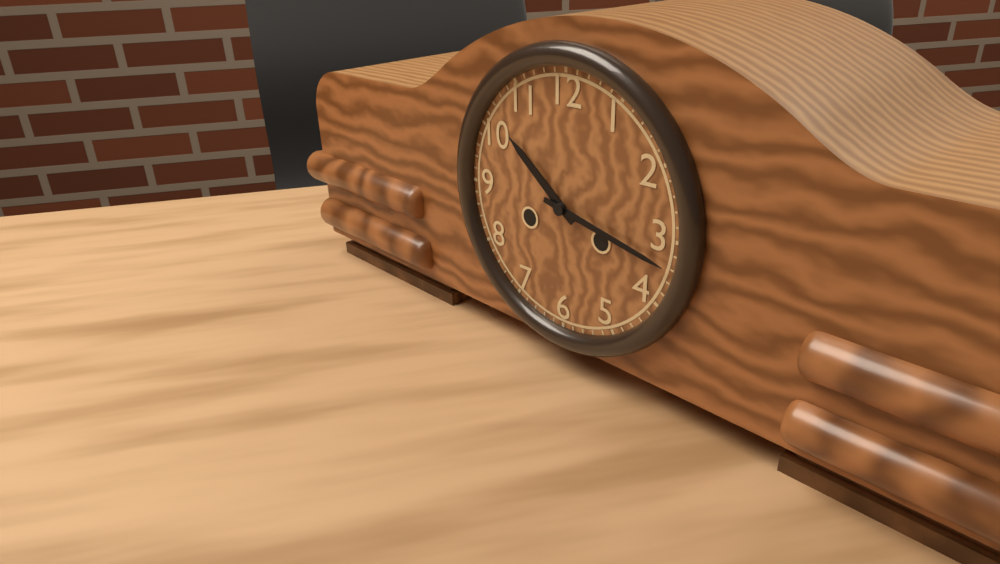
10:17
